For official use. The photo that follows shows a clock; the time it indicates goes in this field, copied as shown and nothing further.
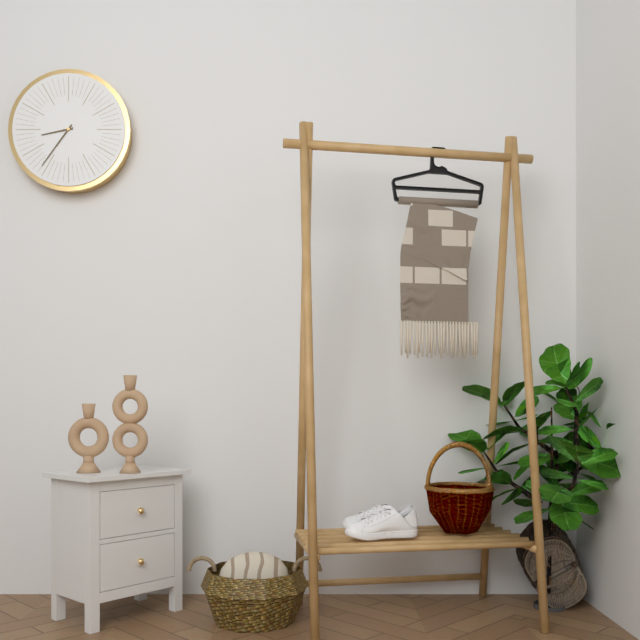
8:36
